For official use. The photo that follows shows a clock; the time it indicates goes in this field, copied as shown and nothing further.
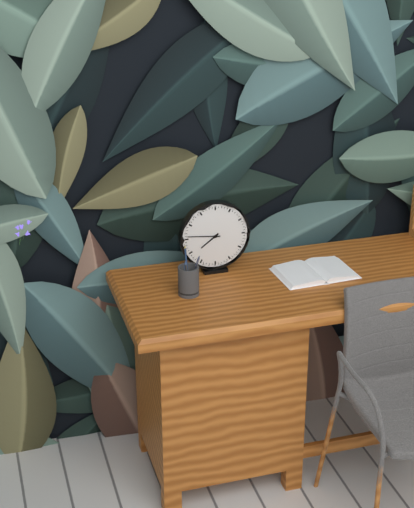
7:46
